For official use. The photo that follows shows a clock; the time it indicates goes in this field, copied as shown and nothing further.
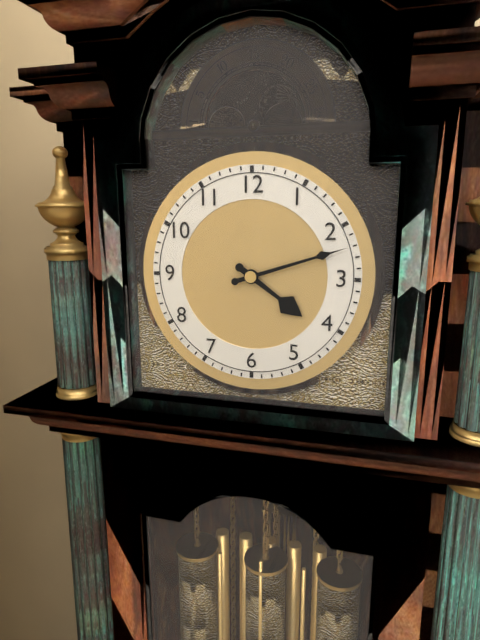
4:12
